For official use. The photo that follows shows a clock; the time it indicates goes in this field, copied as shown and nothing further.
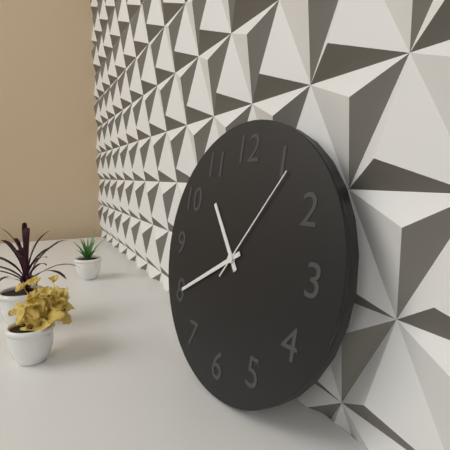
10:40:06
